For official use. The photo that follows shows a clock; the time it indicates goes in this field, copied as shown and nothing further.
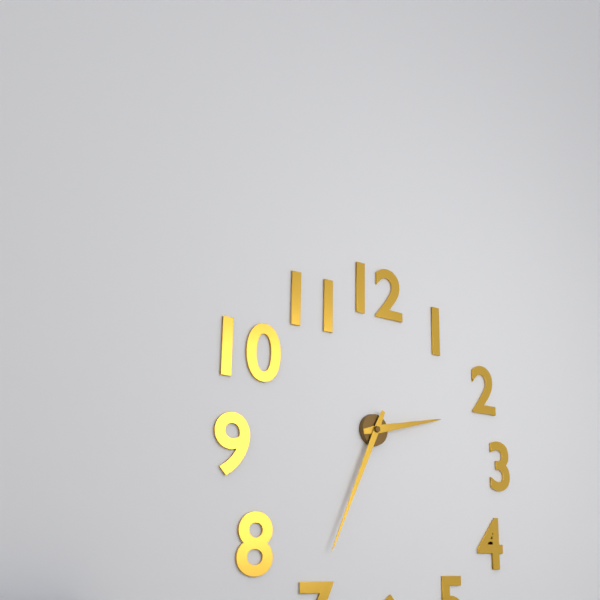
2:34
